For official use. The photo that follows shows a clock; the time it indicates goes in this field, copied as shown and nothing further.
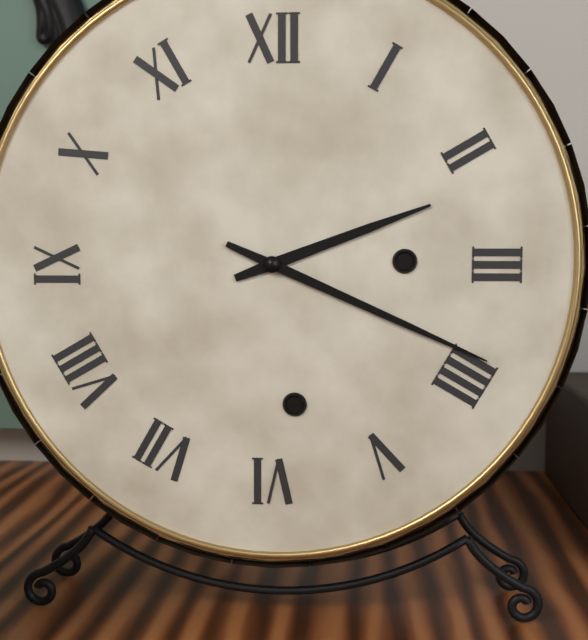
2:19
